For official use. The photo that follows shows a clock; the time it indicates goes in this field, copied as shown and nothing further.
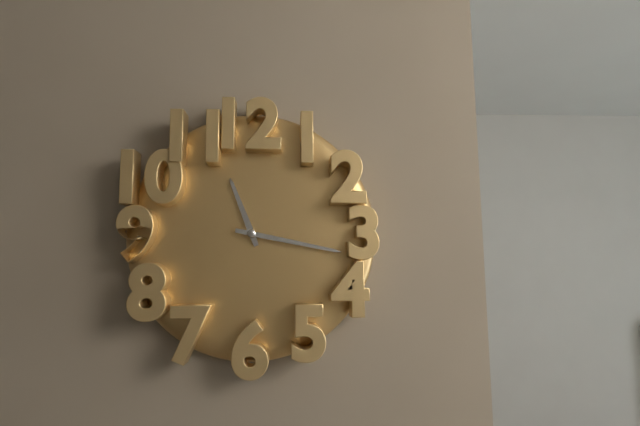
11:17
